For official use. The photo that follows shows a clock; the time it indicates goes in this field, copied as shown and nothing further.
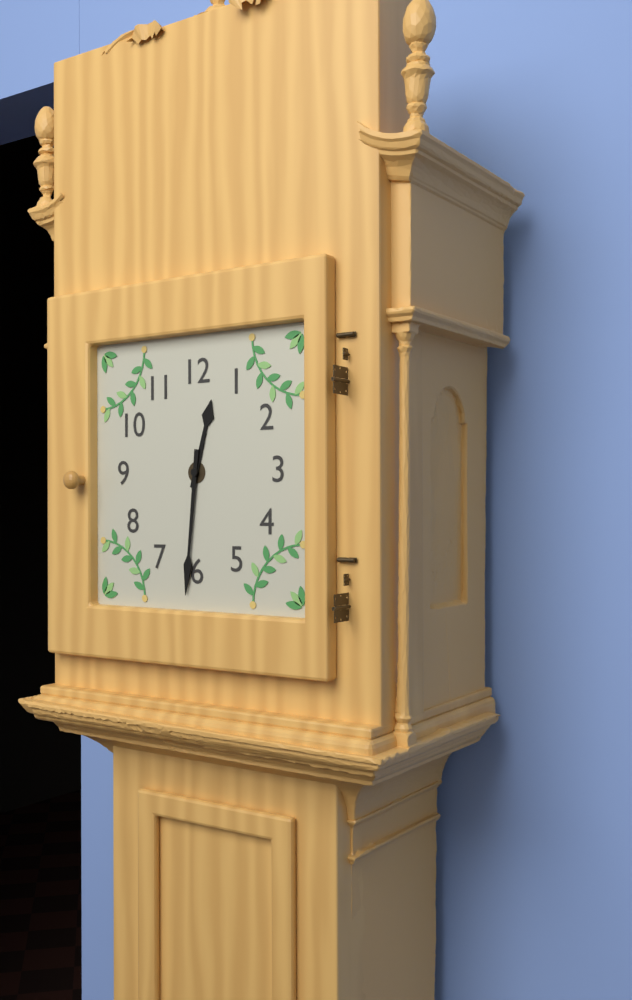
12:31
